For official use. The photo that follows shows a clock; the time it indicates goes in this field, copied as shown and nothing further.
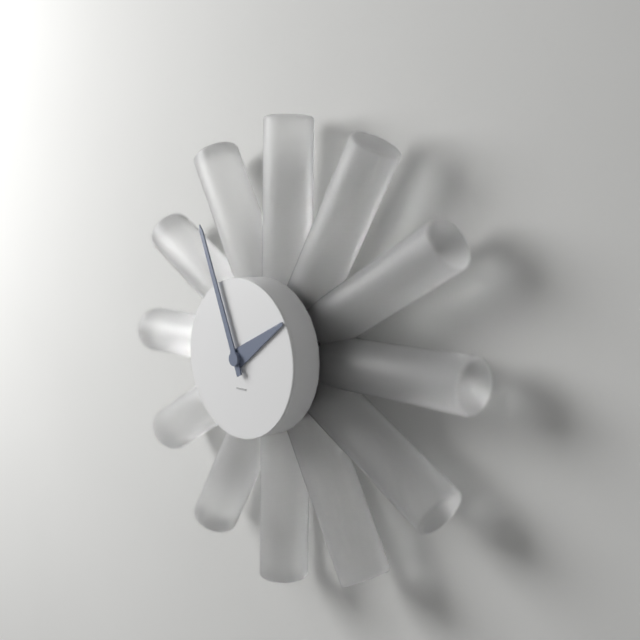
1:56
